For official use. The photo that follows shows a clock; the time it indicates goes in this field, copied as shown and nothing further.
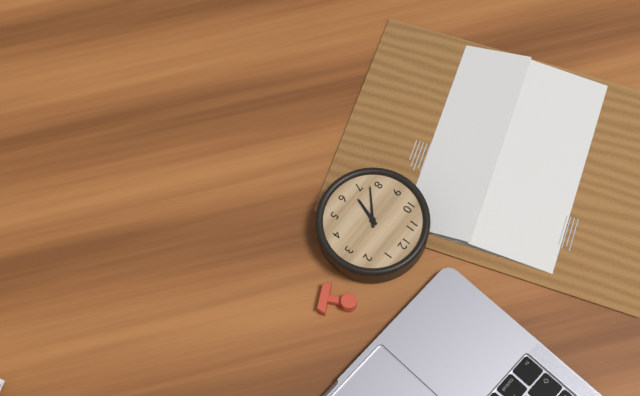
6:38
